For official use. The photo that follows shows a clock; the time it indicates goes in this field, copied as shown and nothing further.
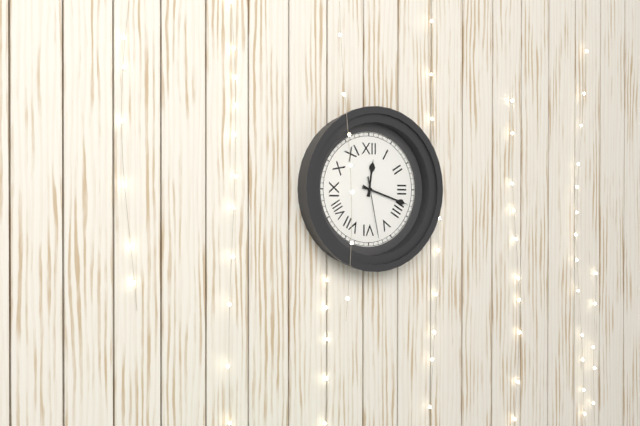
12:18:28
